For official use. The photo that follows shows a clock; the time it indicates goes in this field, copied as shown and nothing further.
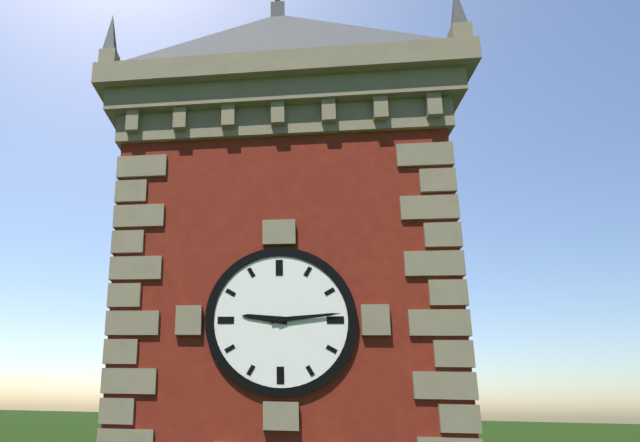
9:14
